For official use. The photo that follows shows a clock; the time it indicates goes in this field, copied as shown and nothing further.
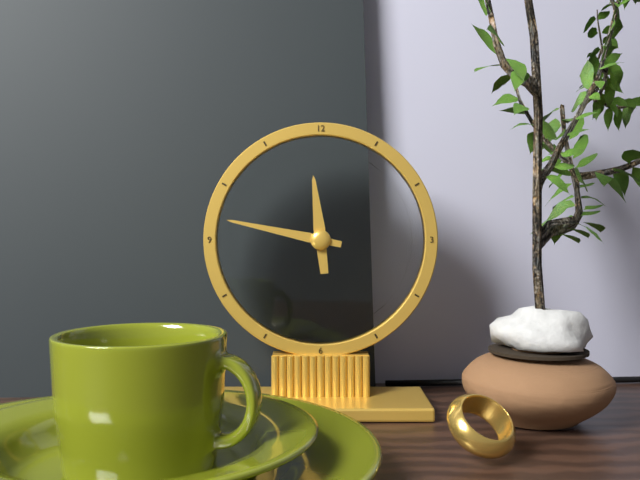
11:47
